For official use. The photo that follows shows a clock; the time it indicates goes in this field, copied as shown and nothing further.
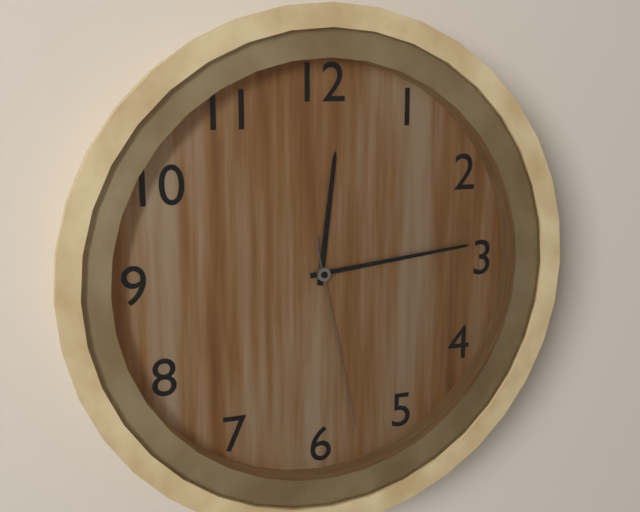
12:14:28
